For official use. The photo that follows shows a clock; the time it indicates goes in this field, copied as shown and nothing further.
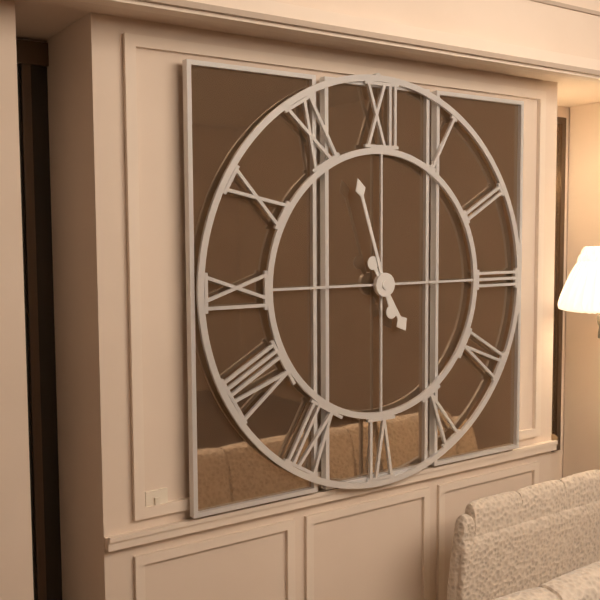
4:57
